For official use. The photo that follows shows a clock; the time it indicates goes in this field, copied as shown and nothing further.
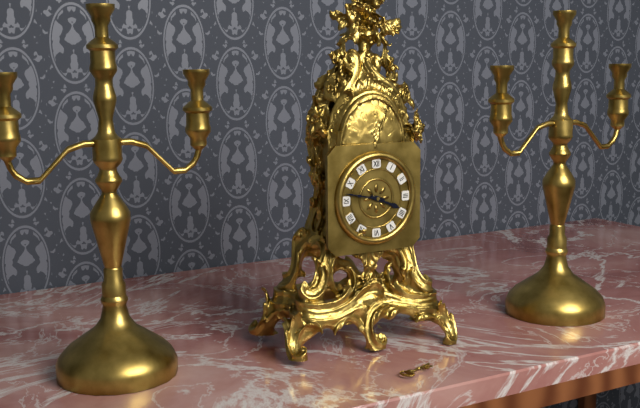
3:47
